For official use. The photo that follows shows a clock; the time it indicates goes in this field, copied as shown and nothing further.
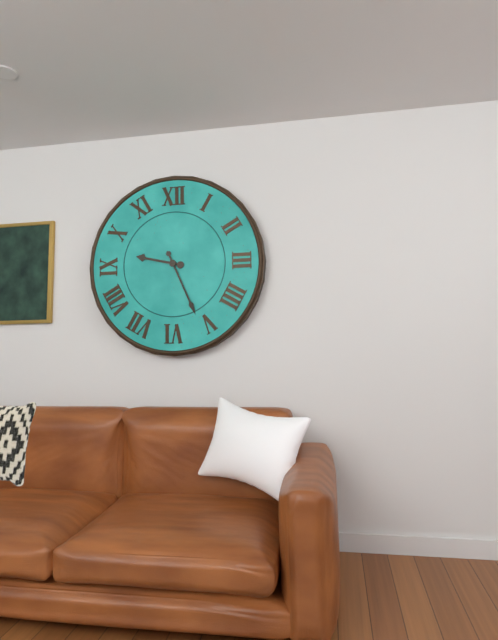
9:26
